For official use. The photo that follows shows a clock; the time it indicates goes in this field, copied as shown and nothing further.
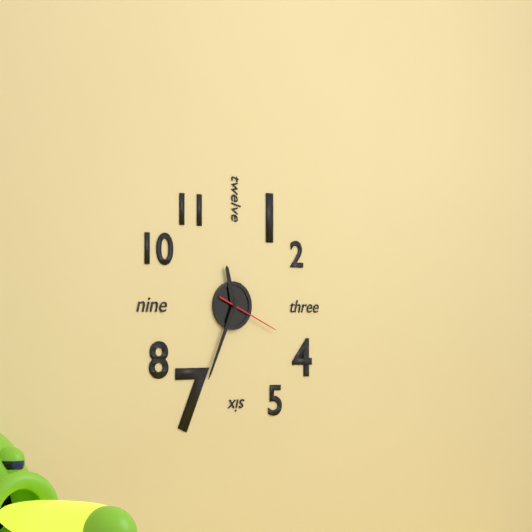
11:34:19
